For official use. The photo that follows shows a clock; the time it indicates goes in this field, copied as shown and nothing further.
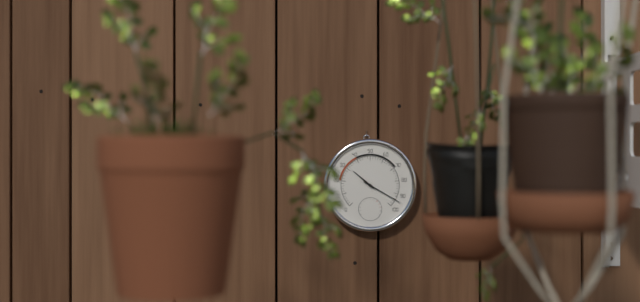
10:20
